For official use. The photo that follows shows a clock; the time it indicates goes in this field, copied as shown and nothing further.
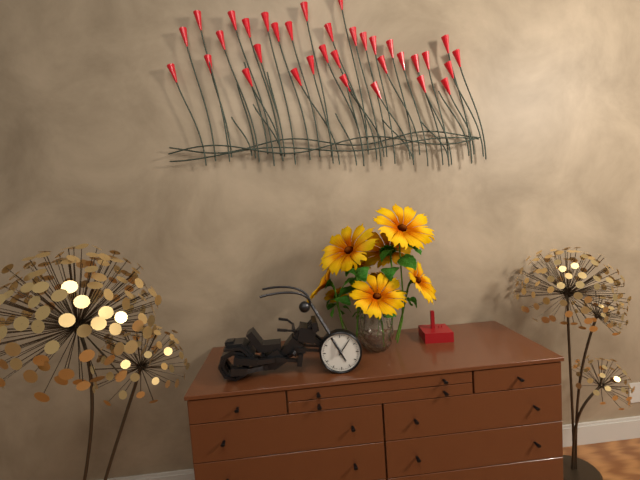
5:06
